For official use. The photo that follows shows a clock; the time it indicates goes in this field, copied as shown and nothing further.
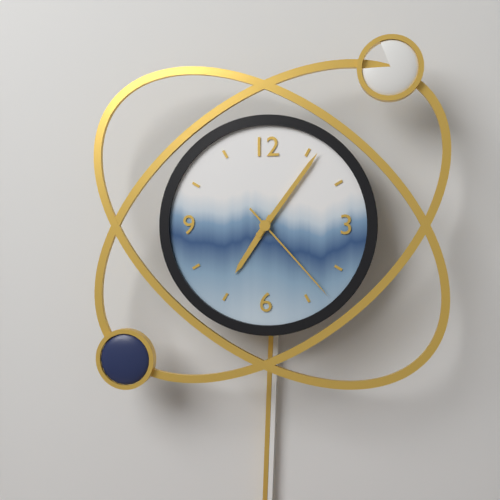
7:06:23
